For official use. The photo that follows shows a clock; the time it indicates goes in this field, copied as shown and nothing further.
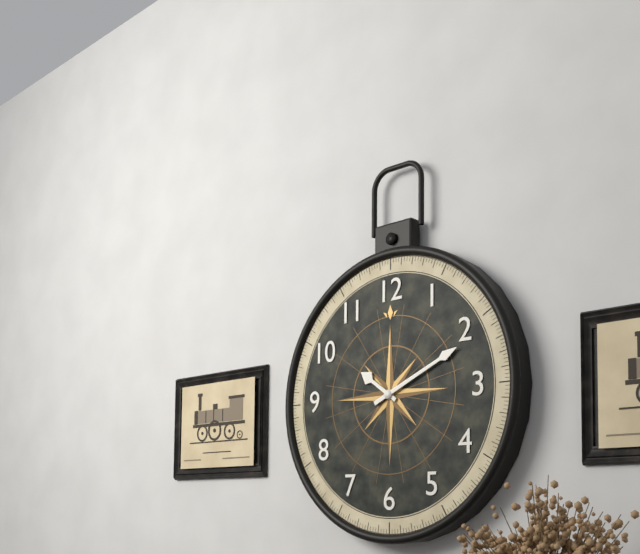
10:11
